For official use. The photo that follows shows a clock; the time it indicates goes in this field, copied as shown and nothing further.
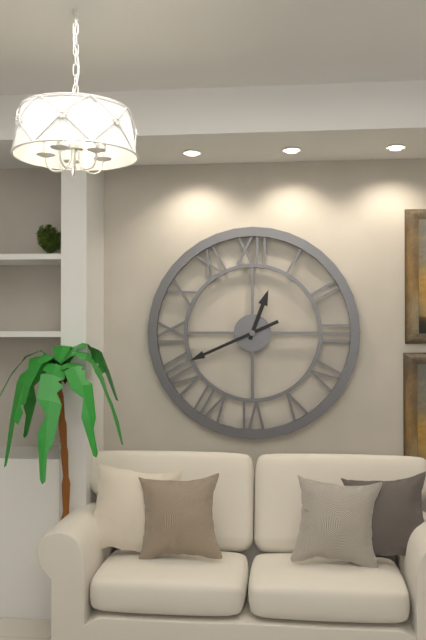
12:41
